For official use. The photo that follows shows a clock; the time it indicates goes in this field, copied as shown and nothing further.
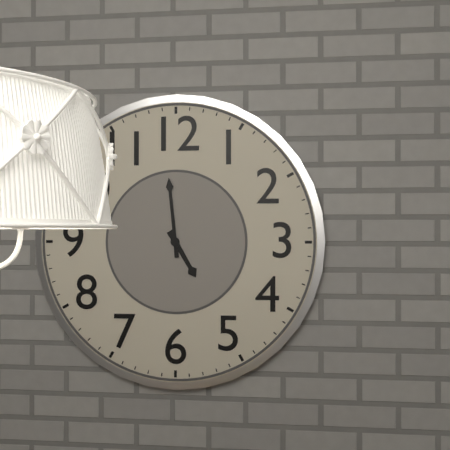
4:59
